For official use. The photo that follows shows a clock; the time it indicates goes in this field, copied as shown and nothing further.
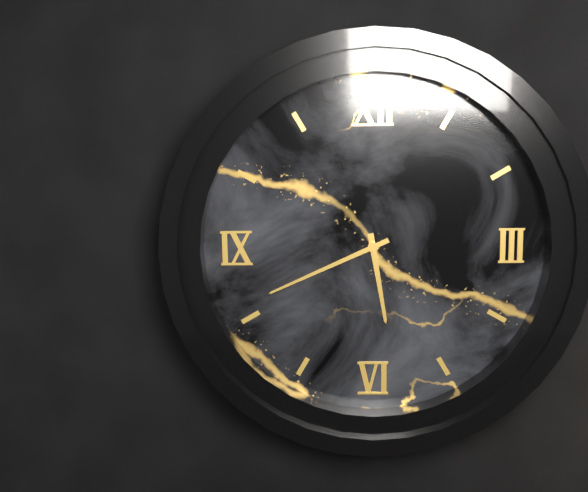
5:41
